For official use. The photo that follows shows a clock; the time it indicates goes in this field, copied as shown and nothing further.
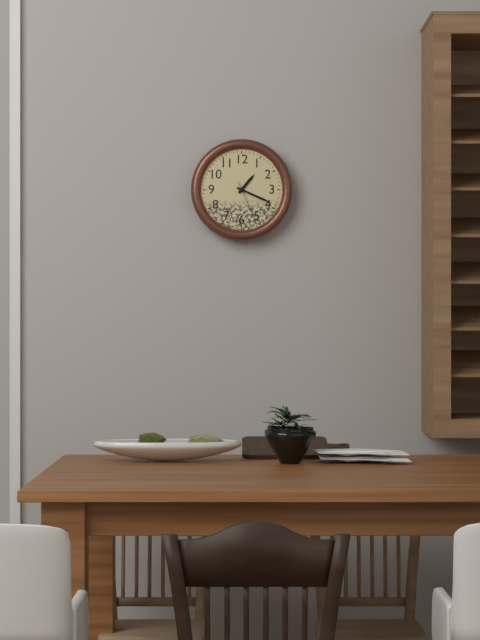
1:19
